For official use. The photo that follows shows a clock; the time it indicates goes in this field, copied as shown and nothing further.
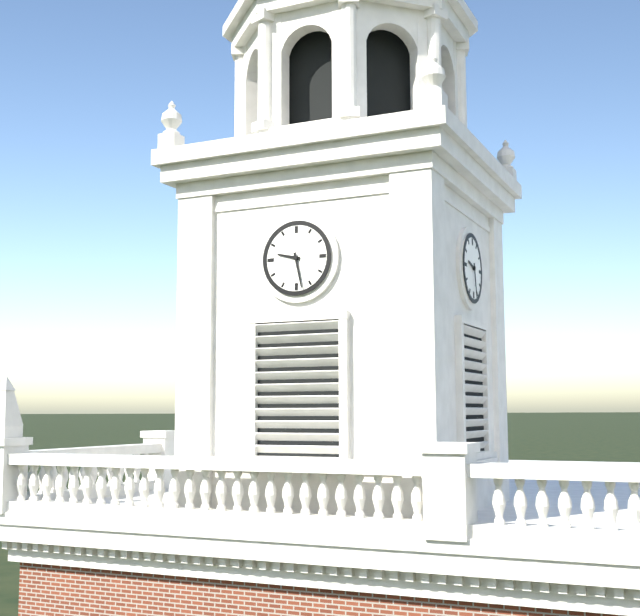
9:28
